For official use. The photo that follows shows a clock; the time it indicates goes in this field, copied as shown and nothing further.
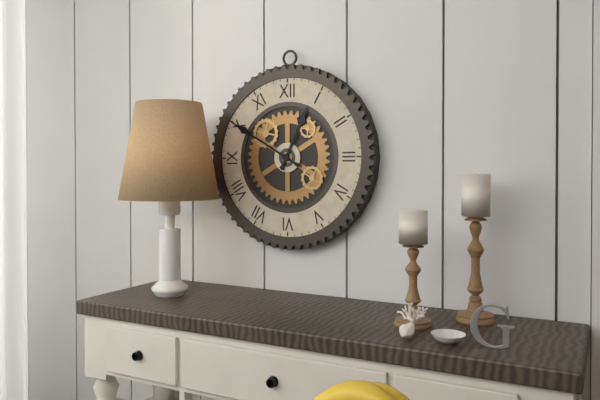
12:50
